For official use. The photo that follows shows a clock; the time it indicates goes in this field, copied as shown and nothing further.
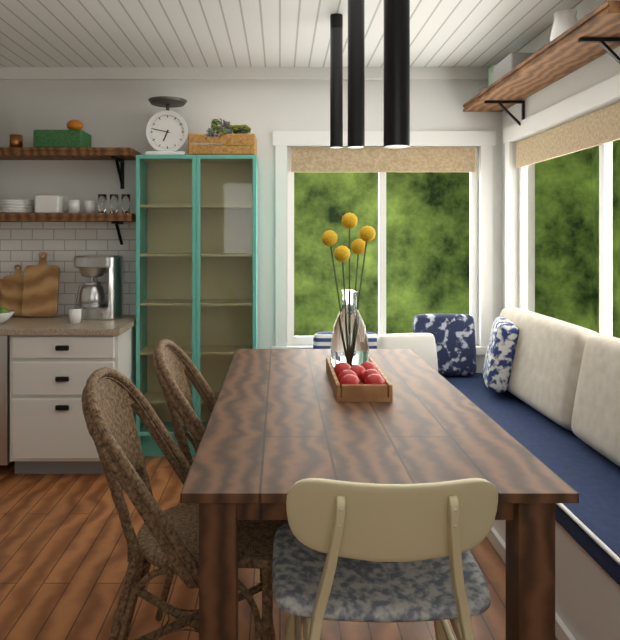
6:47
